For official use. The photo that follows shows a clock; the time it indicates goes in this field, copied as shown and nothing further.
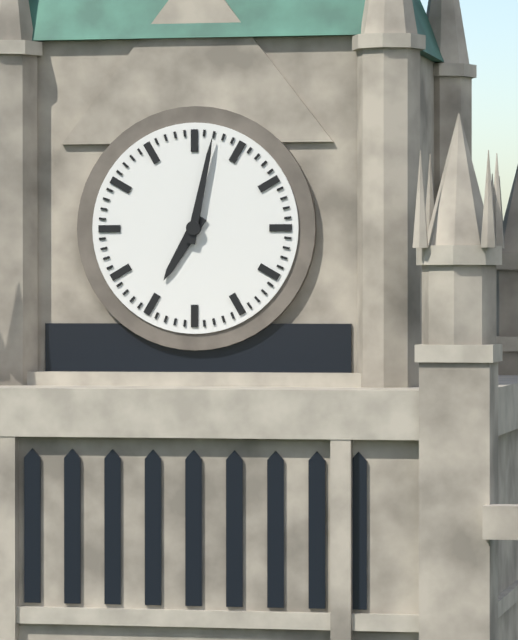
7:02
